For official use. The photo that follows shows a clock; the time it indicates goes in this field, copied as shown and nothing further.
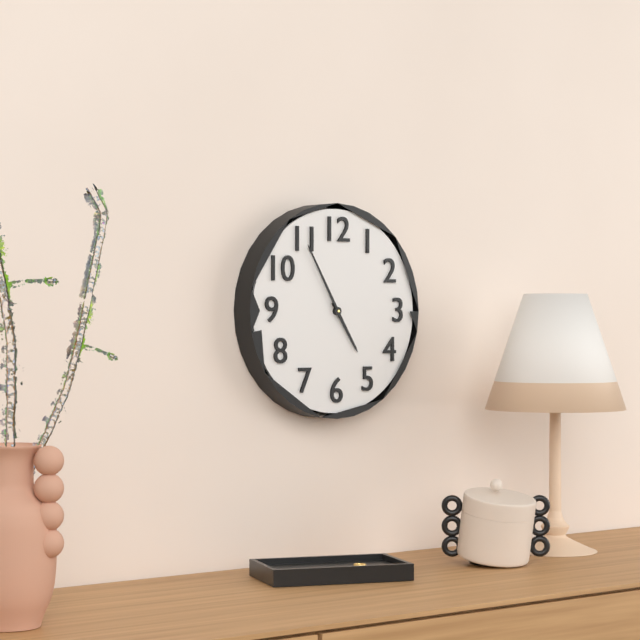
4:55
